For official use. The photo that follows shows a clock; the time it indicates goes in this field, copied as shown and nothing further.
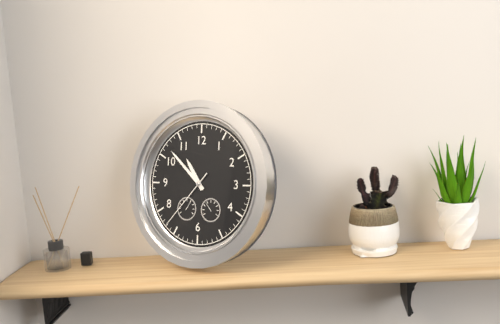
10:52:37
